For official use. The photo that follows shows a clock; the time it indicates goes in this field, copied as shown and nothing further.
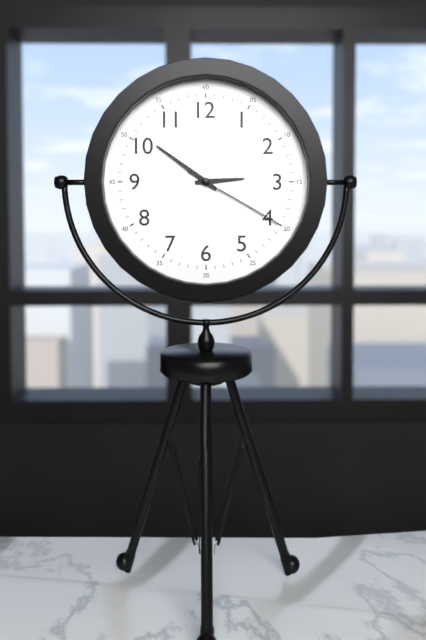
2:51:20
